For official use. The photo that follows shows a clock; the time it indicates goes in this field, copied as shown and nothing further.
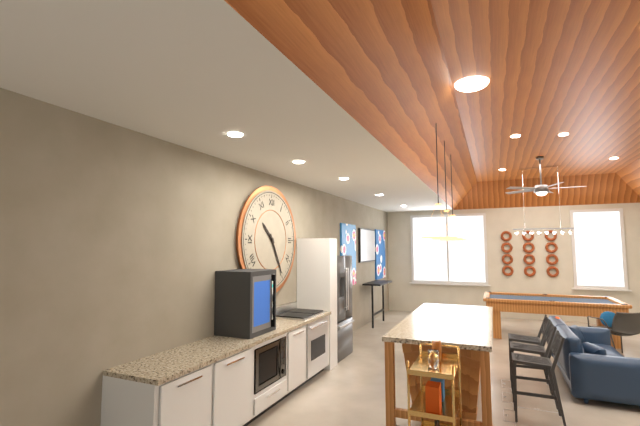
10:25
